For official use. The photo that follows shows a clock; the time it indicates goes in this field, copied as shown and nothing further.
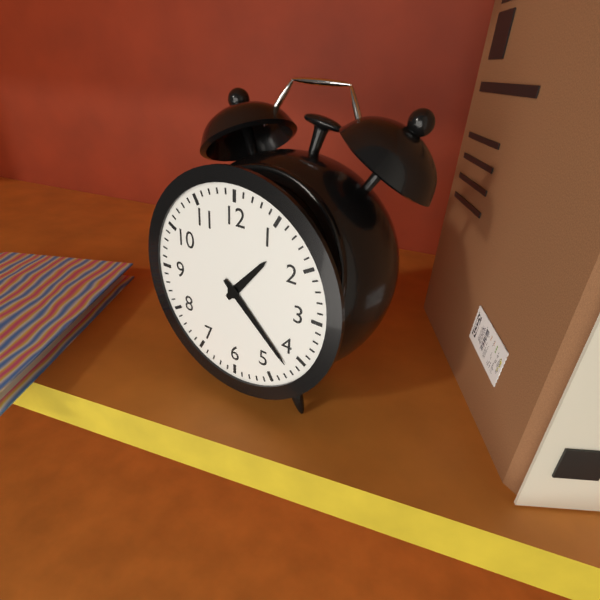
1:22
